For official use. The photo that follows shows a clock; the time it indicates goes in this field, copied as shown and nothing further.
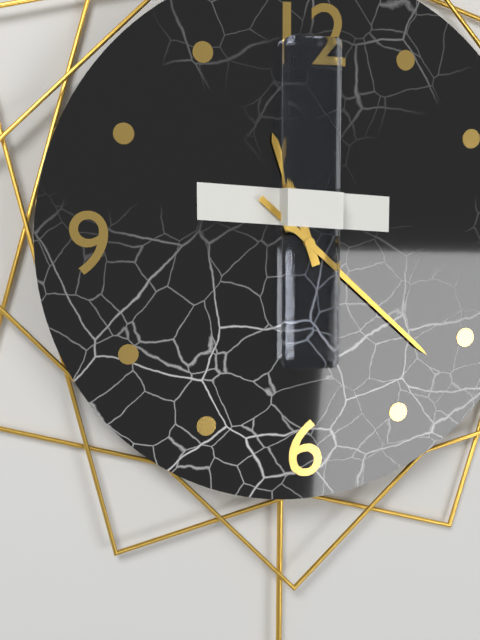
11:22
